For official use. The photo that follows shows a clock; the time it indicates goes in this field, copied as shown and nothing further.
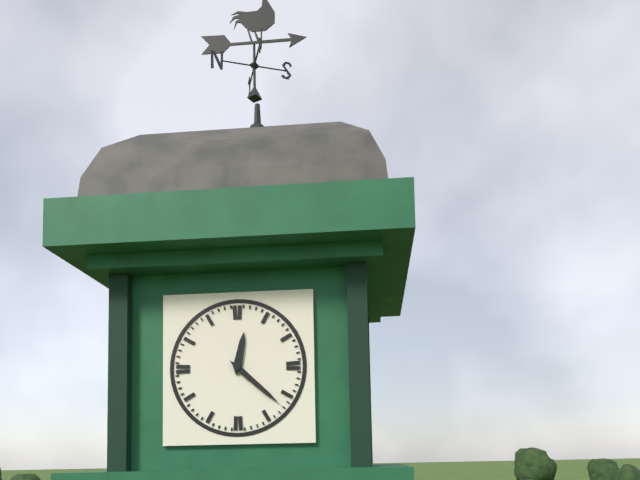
12:22
